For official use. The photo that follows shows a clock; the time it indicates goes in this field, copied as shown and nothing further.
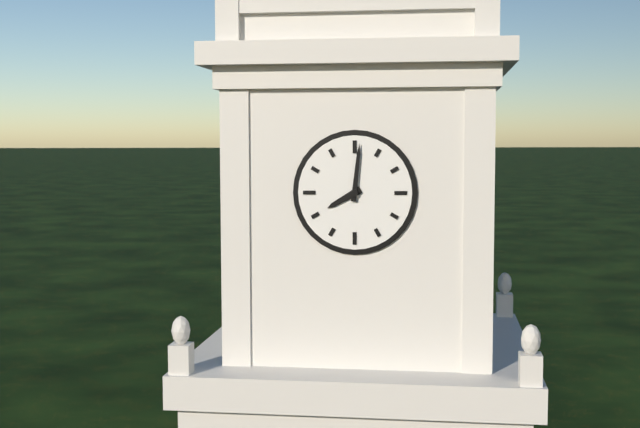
8:01
